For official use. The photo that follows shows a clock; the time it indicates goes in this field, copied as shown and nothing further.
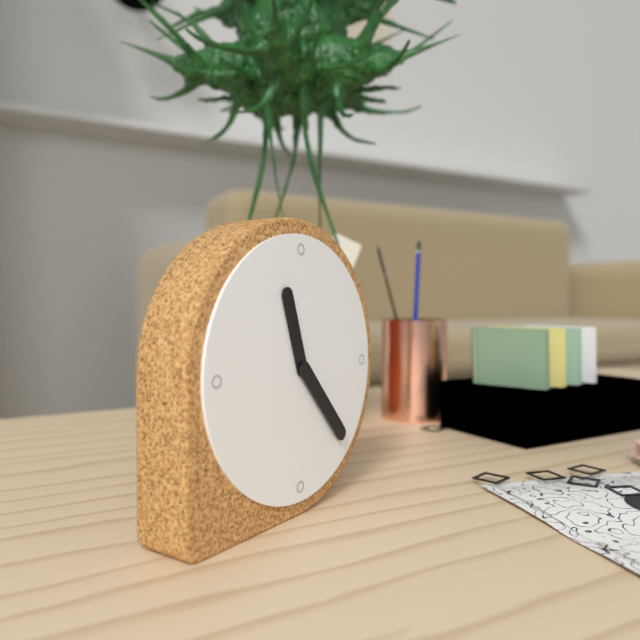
11:23
